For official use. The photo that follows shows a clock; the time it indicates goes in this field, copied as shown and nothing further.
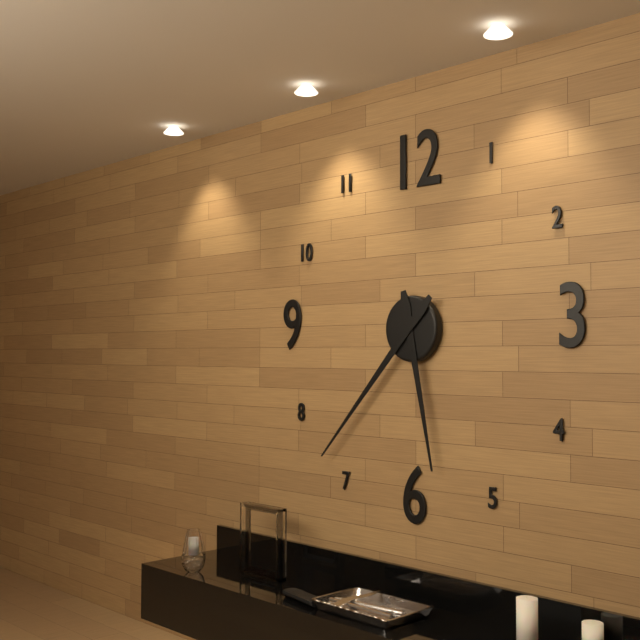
5:37
